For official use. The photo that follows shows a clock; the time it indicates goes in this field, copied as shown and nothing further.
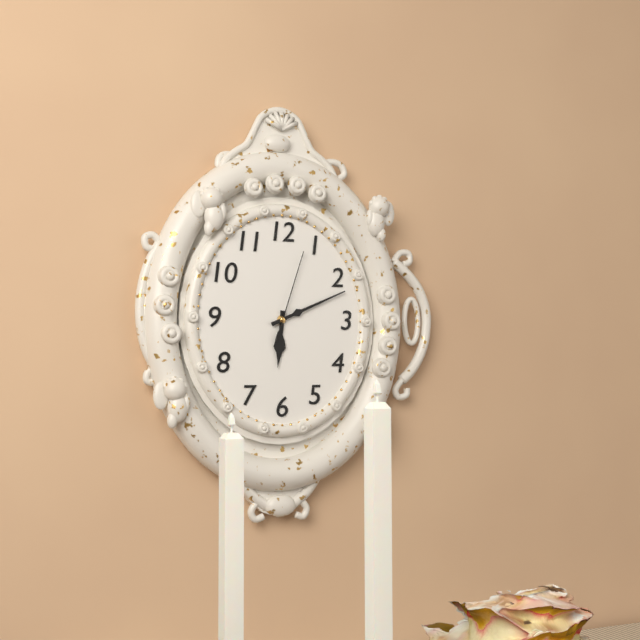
6:11:03
